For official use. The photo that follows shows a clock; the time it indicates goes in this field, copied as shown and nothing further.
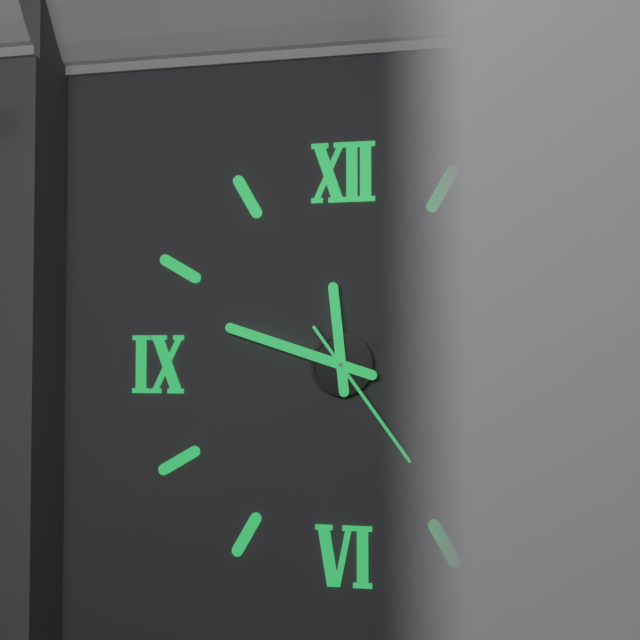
11:48:24
